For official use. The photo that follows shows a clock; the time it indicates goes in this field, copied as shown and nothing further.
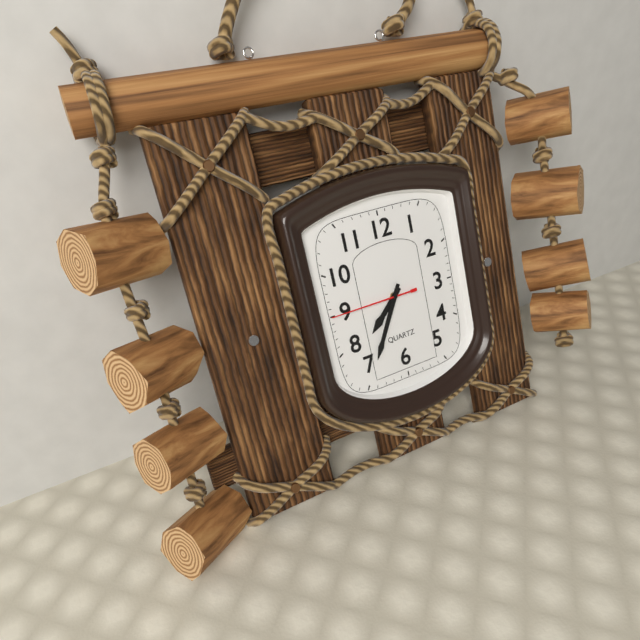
7:35:45
